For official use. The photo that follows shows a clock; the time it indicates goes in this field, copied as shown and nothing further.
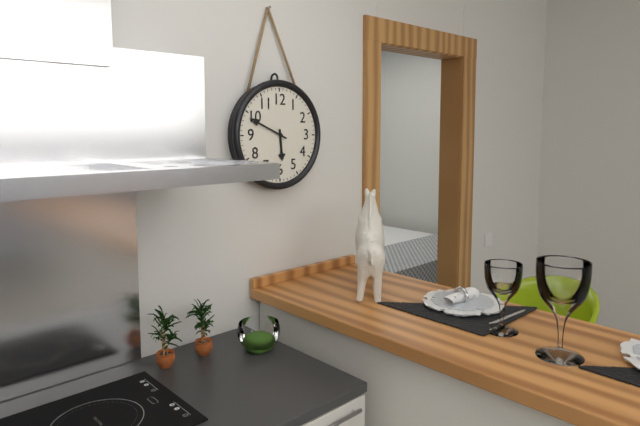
5:49
